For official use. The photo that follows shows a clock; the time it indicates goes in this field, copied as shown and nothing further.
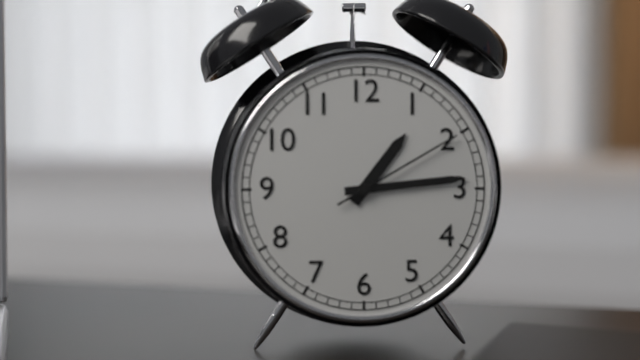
1:14:10
